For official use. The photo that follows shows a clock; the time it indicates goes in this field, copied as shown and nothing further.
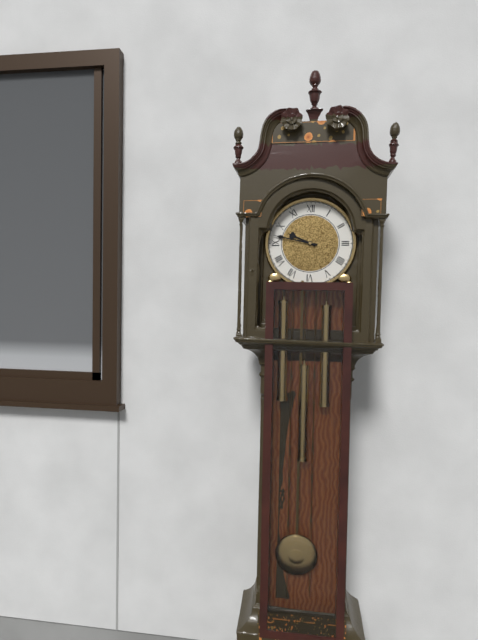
9:47
